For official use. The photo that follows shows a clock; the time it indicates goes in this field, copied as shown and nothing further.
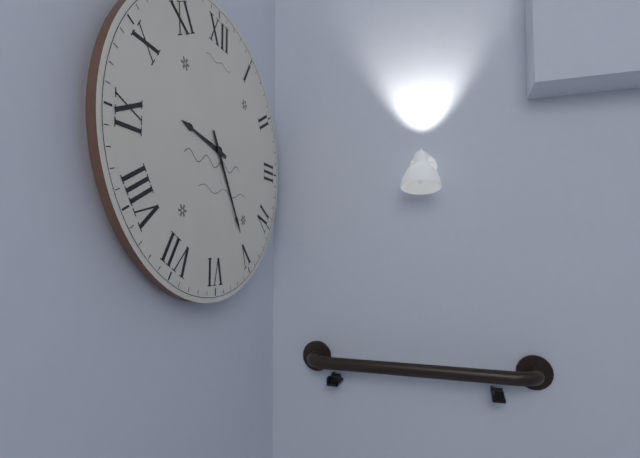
9:25
